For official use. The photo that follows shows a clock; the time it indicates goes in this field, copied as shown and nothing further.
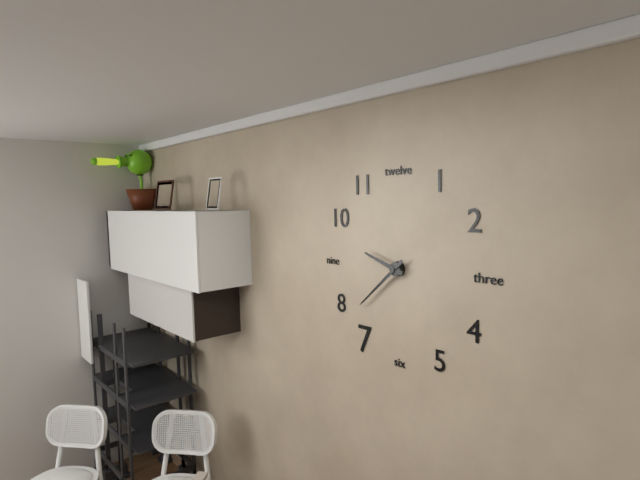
9:38
